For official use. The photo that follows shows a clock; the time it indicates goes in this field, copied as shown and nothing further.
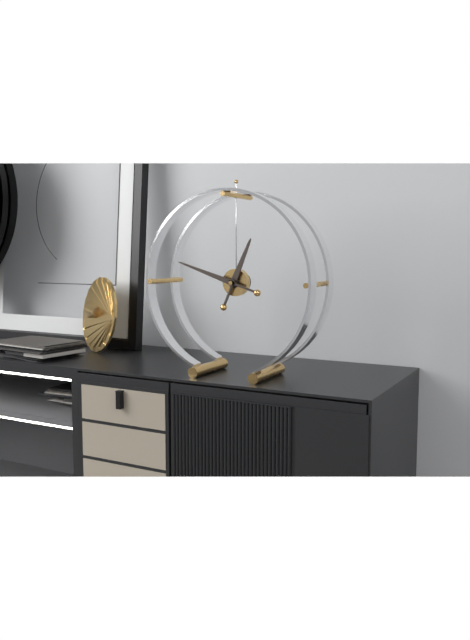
12:48
